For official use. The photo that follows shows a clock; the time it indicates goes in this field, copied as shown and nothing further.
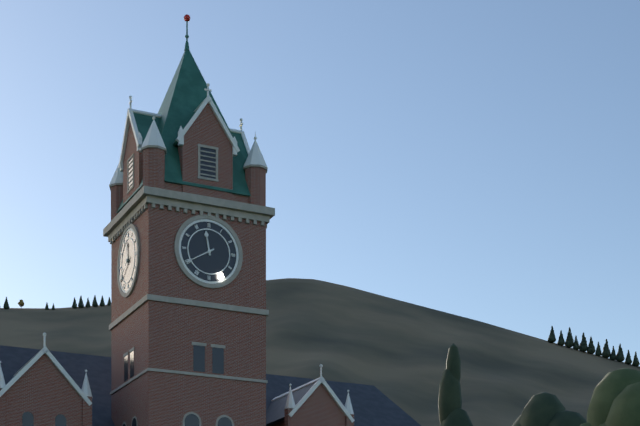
11:40
